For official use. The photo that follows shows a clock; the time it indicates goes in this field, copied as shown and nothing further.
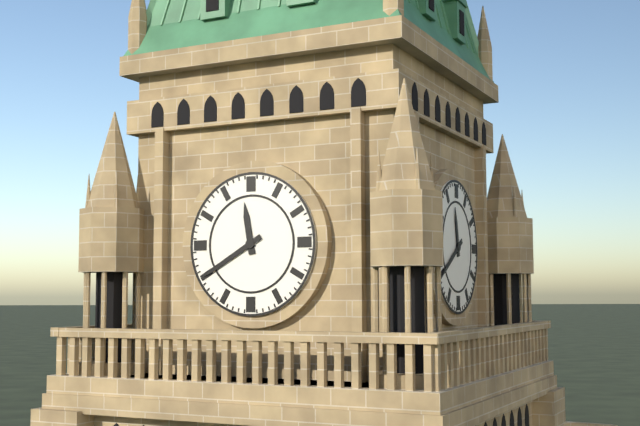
11:40
